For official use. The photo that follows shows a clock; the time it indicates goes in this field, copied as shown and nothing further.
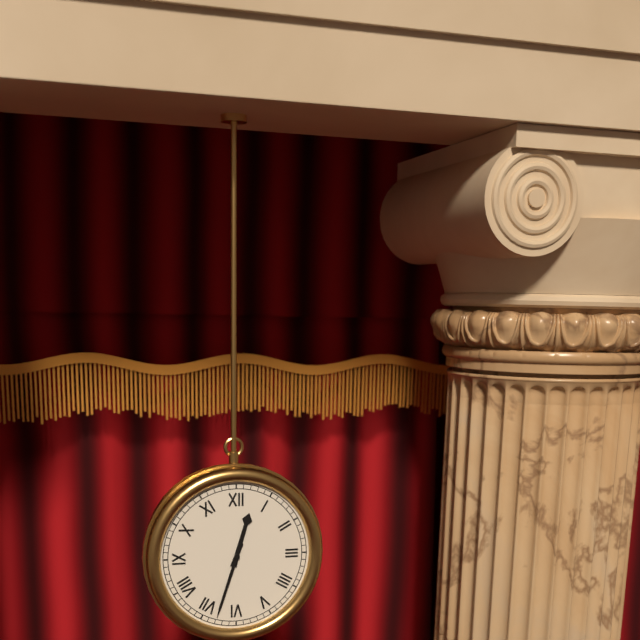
12:33
